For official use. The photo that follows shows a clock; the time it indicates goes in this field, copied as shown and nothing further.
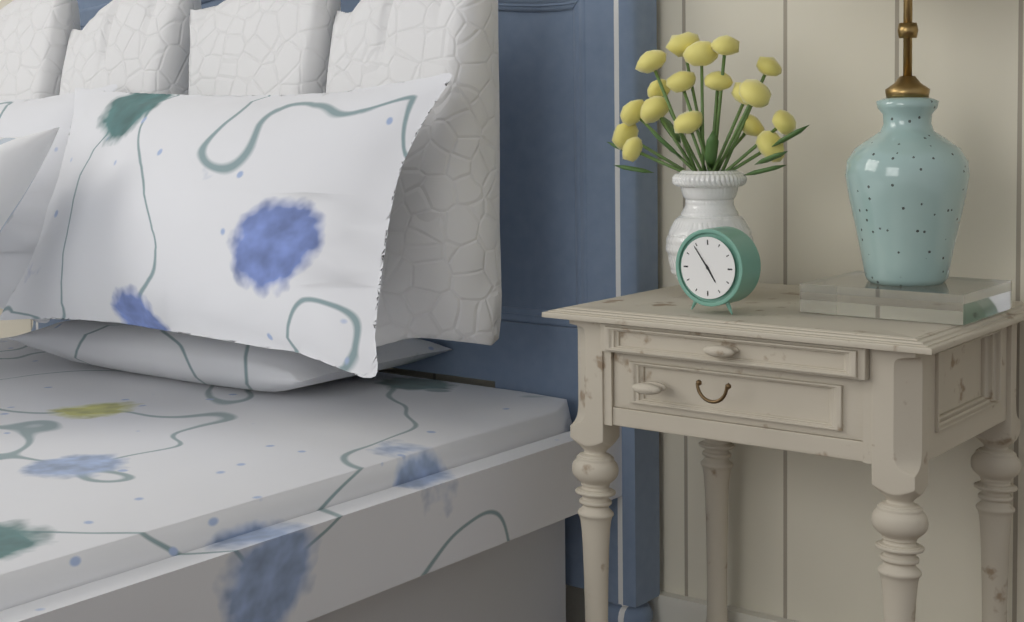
4:54
